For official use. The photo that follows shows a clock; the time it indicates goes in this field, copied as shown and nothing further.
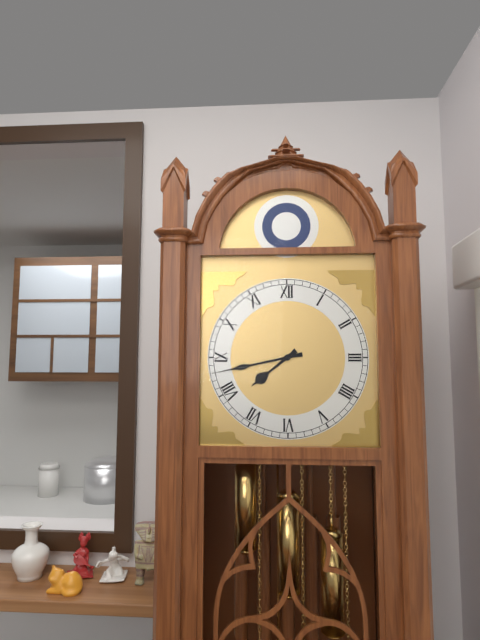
7:43
